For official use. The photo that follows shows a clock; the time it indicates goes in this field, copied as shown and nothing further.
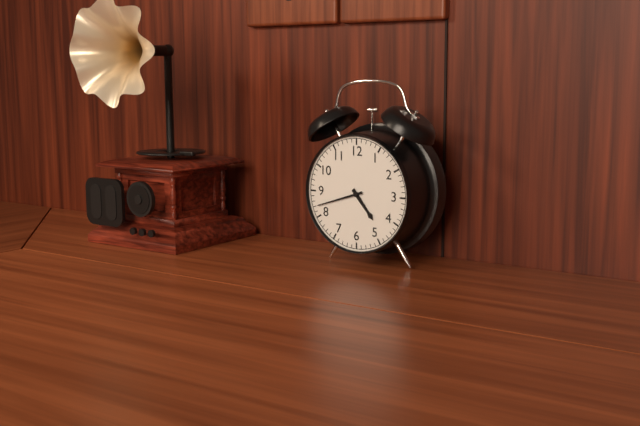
4:42
